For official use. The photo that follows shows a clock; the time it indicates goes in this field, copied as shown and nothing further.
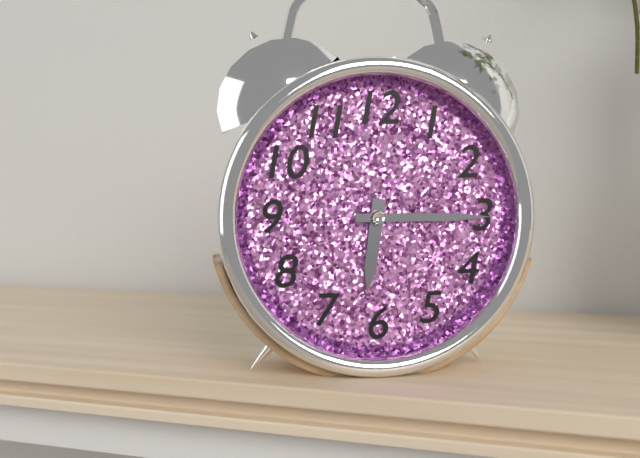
6:15
